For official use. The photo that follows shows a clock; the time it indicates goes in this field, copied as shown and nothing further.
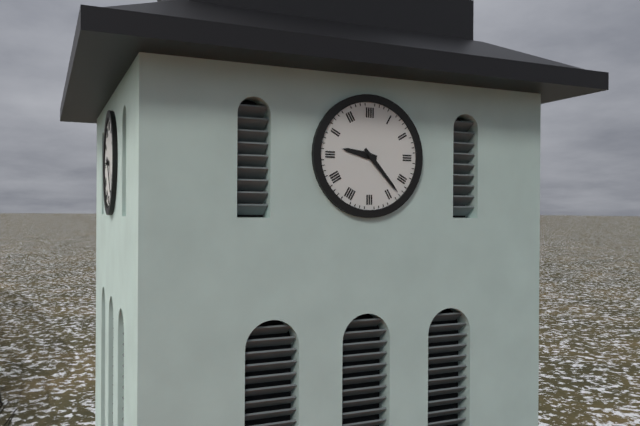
9:23
